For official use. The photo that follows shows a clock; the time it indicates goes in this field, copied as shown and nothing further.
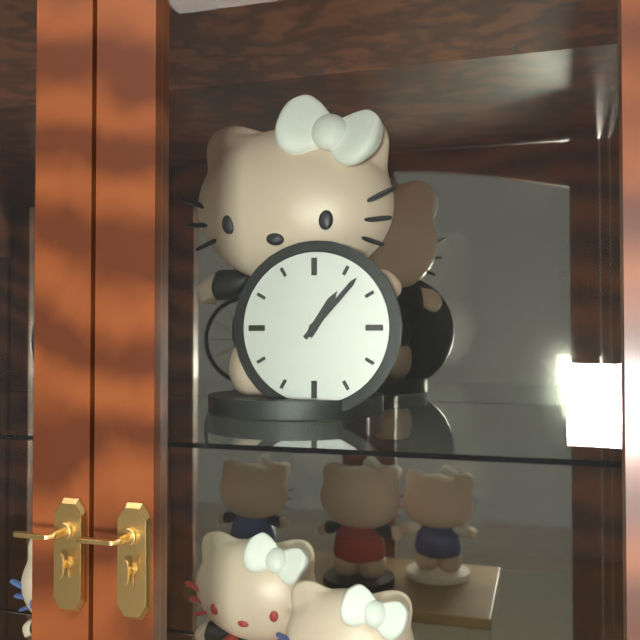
1:07
